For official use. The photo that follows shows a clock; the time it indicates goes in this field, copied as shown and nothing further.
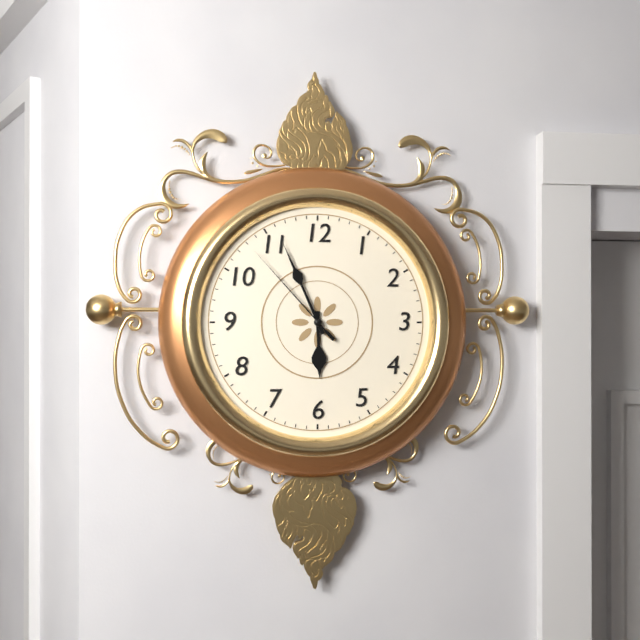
5:56:53
